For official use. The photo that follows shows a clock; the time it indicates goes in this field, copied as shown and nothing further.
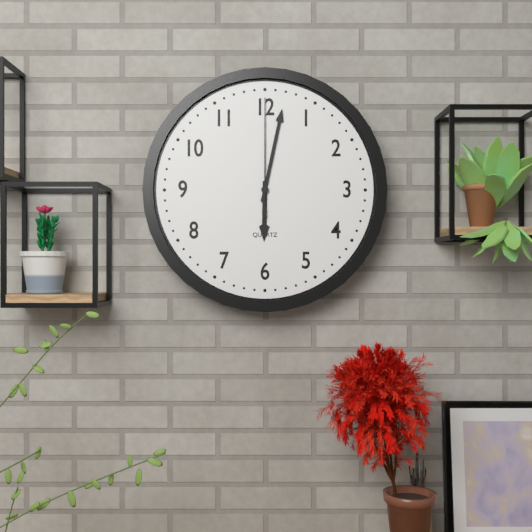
6:02:00
